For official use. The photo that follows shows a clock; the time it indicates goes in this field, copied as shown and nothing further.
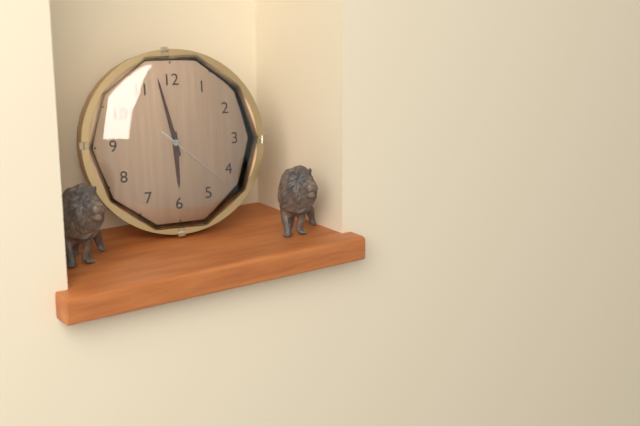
5:58:22
